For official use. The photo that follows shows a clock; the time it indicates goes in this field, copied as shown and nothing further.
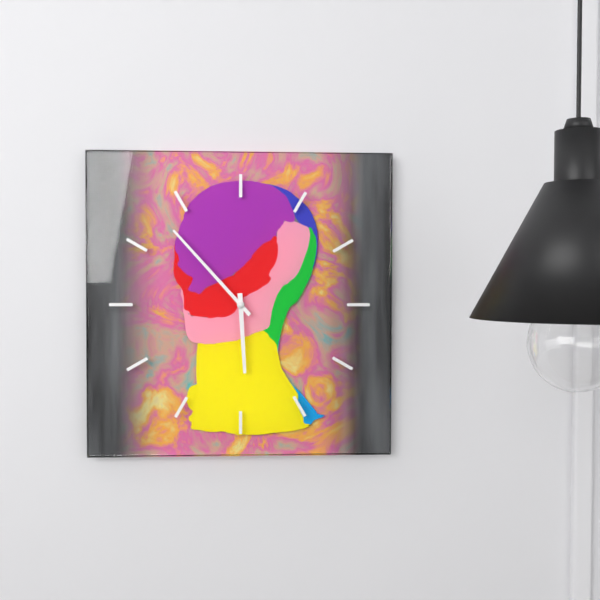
5:53
